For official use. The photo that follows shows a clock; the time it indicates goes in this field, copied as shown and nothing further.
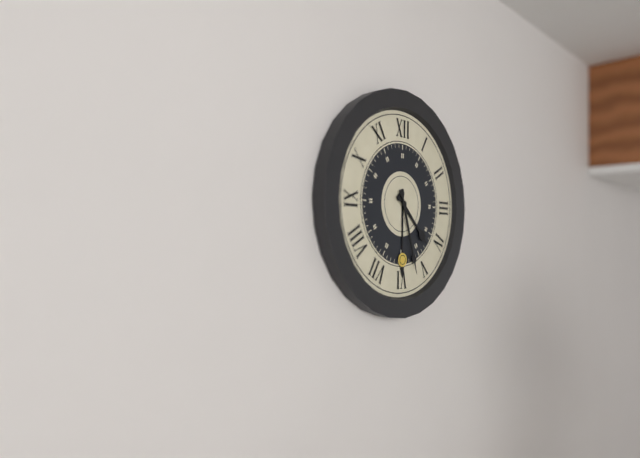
4:27
